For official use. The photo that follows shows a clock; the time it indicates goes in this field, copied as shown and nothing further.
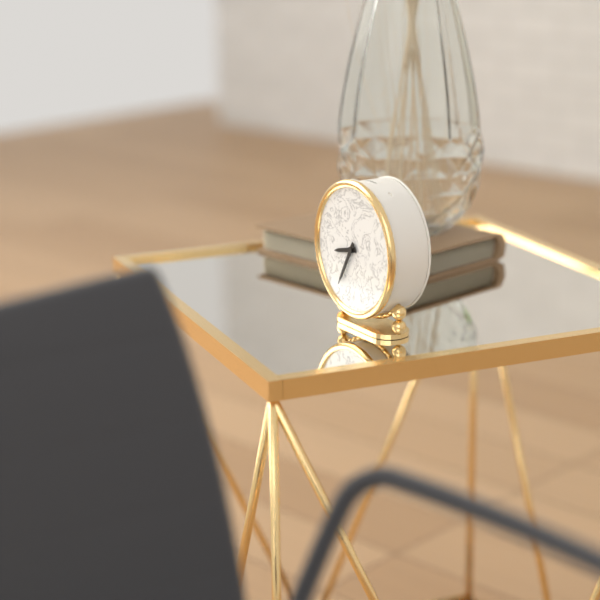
8:35
